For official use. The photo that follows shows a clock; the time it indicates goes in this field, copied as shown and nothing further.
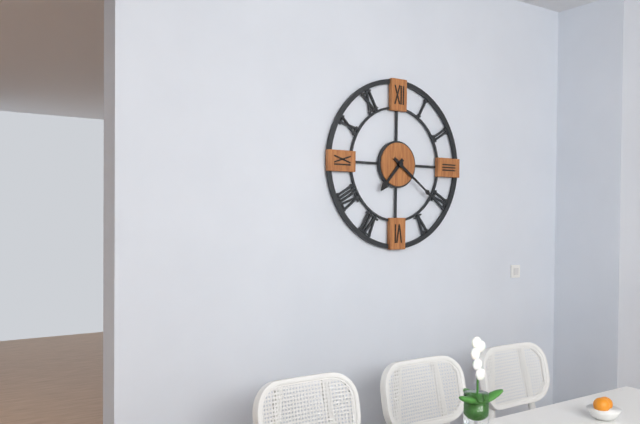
7:21
